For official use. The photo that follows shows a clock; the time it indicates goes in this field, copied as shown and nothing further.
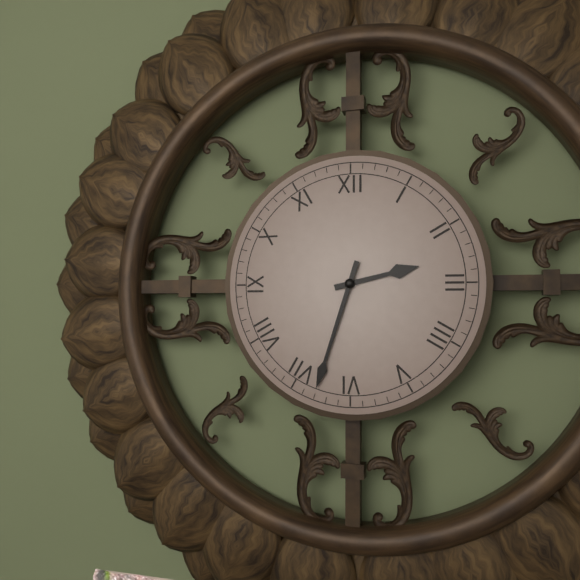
2:33
